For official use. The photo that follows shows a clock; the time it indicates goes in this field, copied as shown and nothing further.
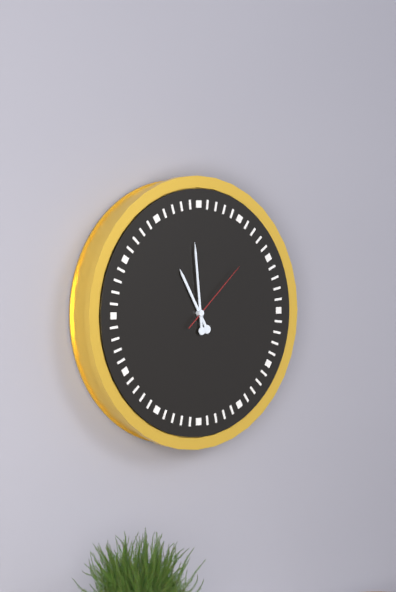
10:59:08
